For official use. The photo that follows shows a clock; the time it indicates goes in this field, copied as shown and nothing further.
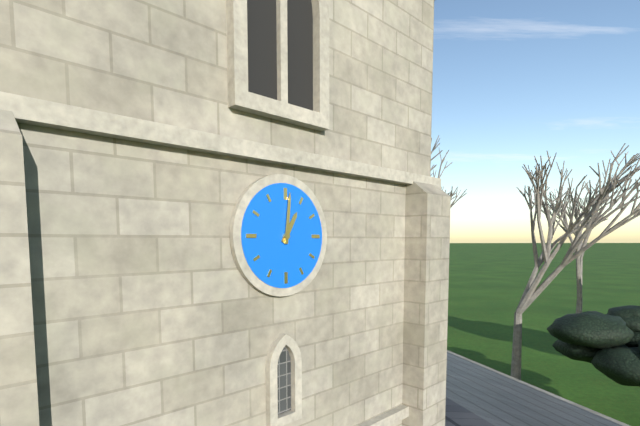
1:01
